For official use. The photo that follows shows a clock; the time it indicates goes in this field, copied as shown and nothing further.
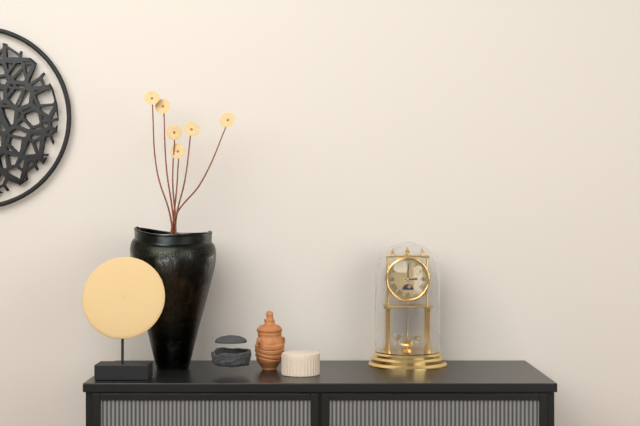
3:00
